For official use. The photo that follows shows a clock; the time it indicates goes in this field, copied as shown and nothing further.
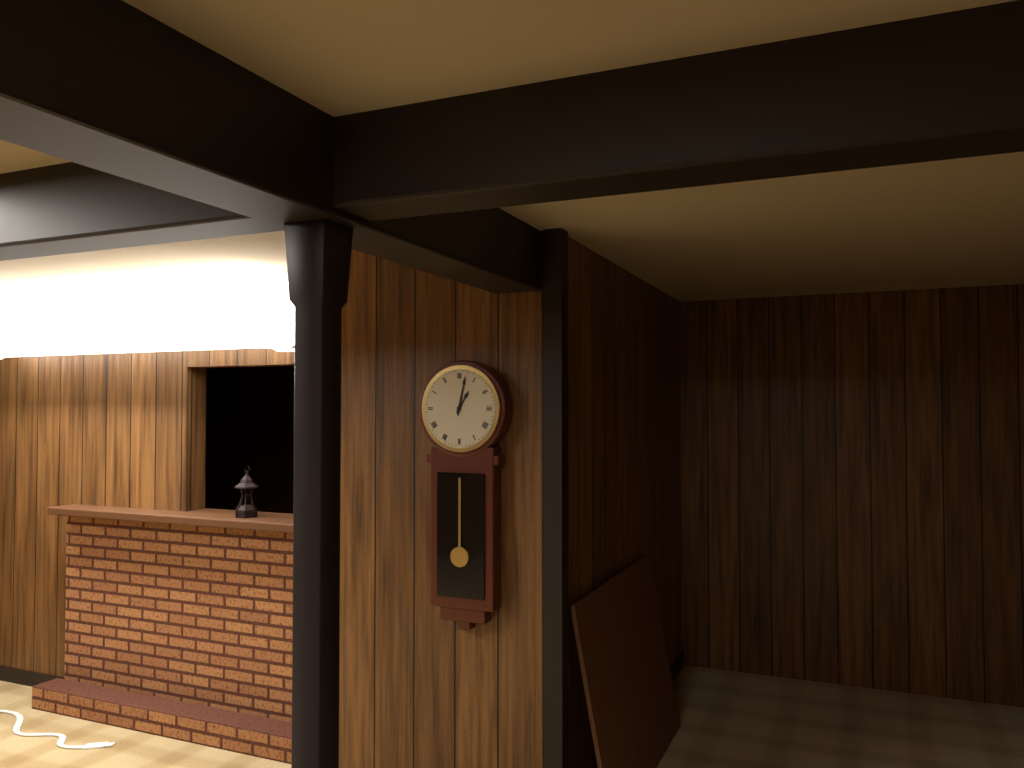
1:02
